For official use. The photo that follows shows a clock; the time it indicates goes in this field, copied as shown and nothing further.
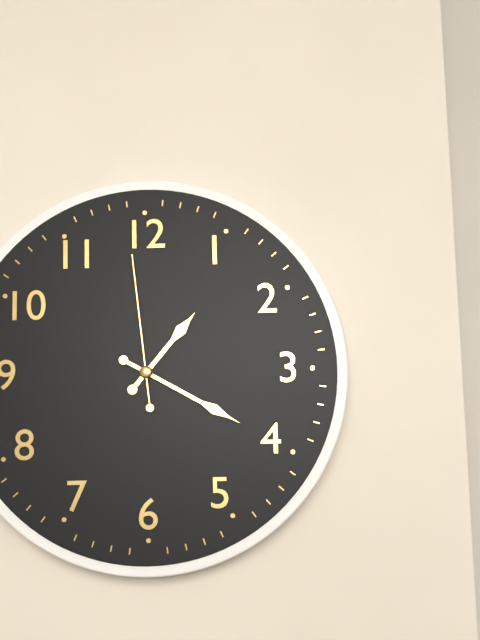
1:20:59
